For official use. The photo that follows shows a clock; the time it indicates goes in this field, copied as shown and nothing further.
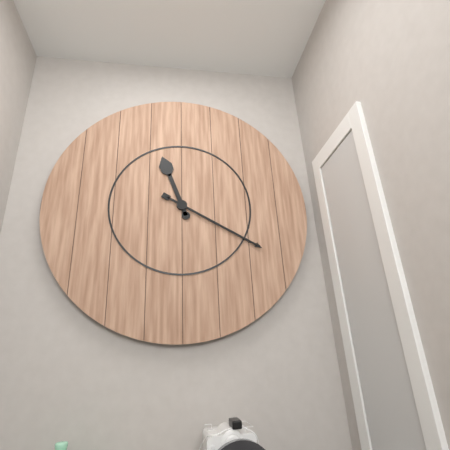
11:20
